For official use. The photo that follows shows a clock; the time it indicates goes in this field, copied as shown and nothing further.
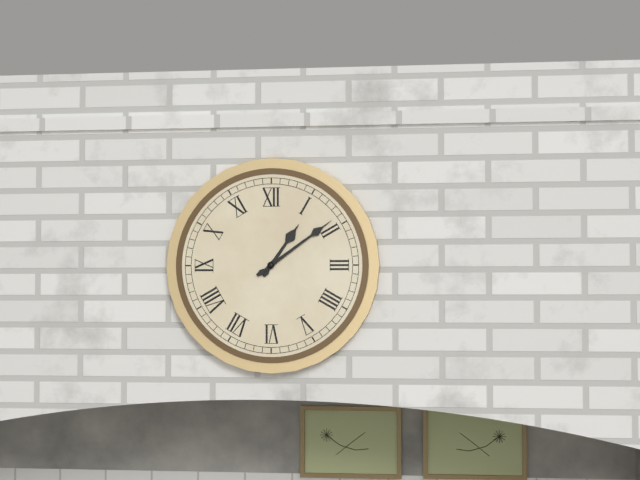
1:09
